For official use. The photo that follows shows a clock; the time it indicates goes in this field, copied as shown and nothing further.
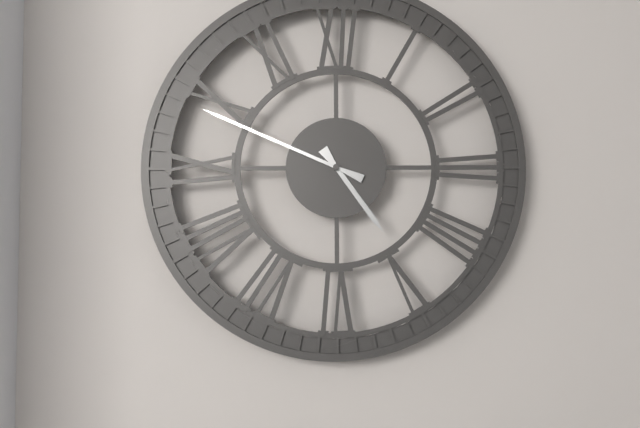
4:49
